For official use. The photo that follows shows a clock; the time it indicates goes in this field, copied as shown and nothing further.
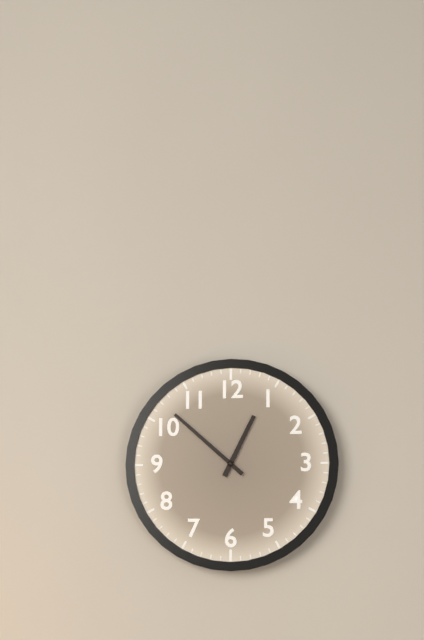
12:52
